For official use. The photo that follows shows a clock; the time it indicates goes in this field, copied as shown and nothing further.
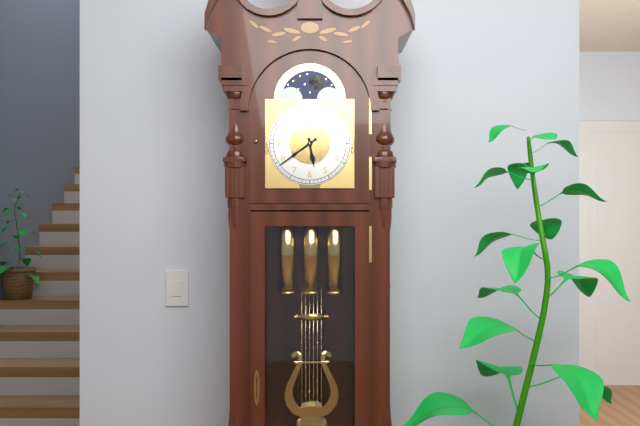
5:39
